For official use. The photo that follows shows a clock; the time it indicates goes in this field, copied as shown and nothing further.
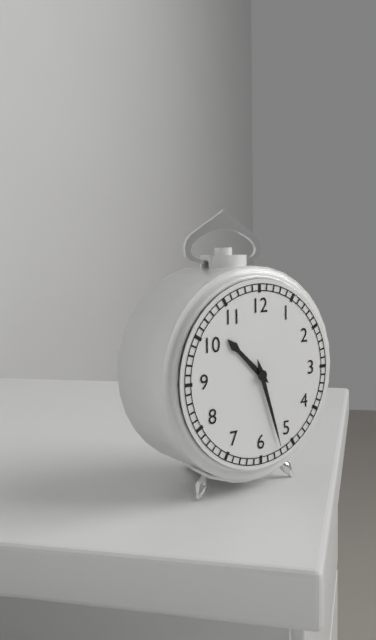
10:27
